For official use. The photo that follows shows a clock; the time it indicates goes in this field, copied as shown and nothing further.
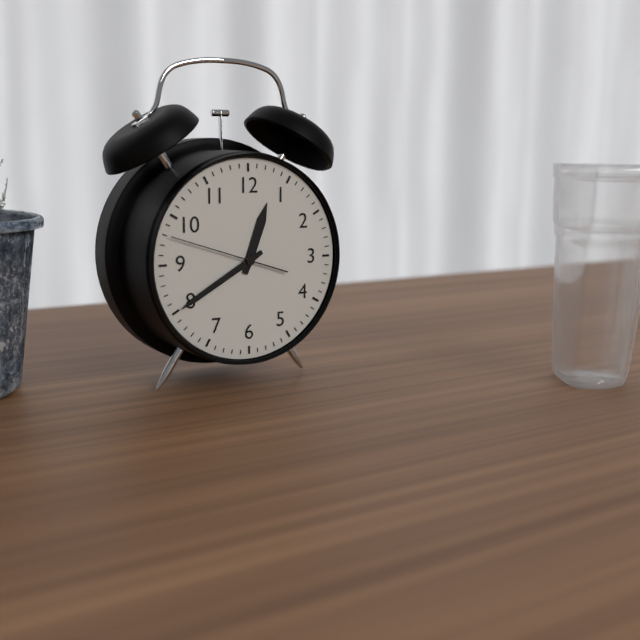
12:40:48
